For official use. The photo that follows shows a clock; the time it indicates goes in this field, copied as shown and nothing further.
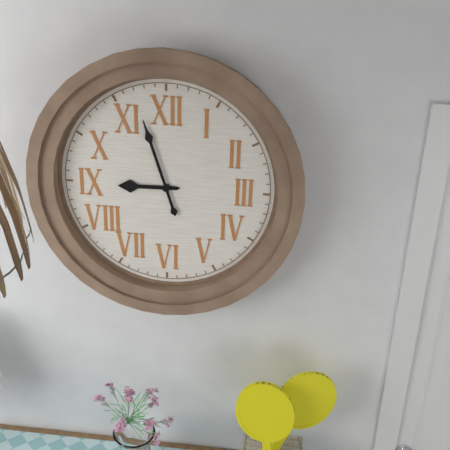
8:57
